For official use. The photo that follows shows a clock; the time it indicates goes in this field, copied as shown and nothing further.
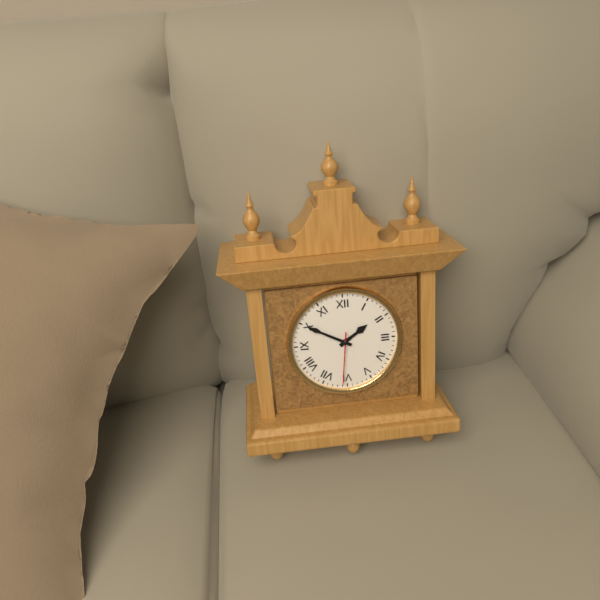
1:50:31
